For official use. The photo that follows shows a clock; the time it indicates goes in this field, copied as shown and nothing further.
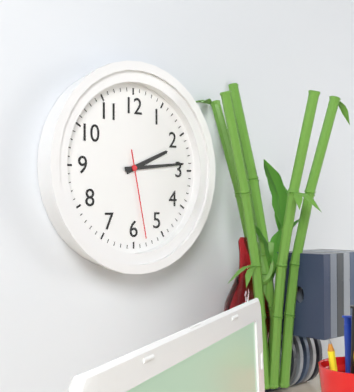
2:14:28
